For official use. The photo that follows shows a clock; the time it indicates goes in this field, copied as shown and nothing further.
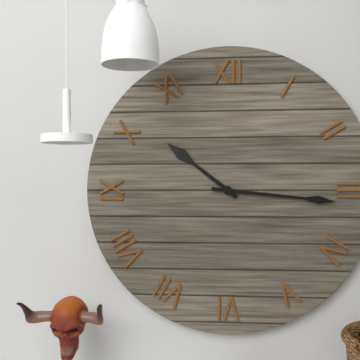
10:16
